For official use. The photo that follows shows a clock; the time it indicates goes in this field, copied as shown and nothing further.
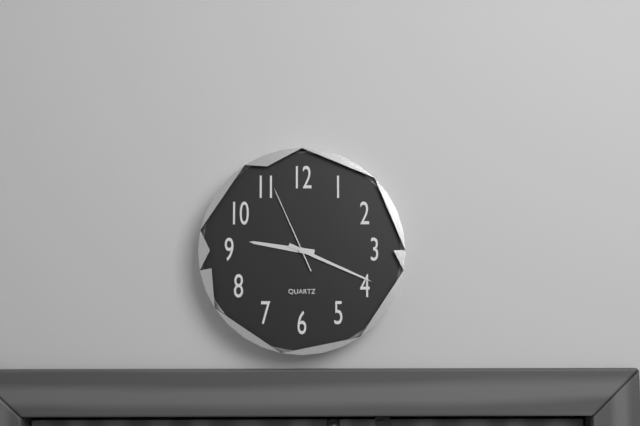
9:19:56
